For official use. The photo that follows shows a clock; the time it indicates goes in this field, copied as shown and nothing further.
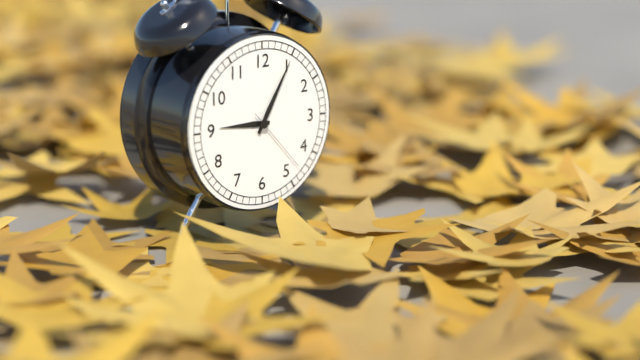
9:05:23
